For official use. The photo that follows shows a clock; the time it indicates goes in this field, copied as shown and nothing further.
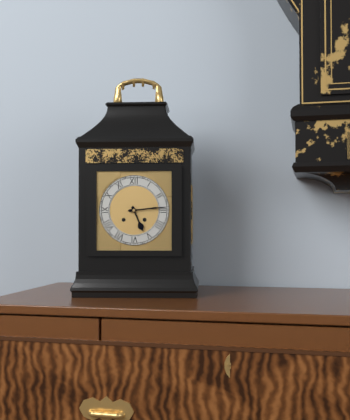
5:14
